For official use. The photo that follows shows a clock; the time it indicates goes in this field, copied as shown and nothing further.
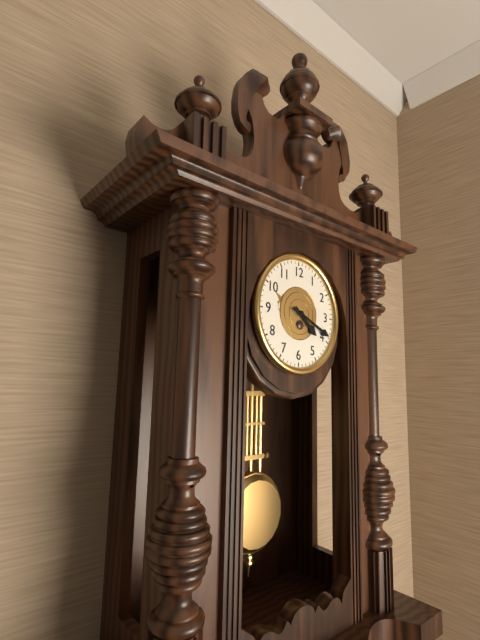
4:19
